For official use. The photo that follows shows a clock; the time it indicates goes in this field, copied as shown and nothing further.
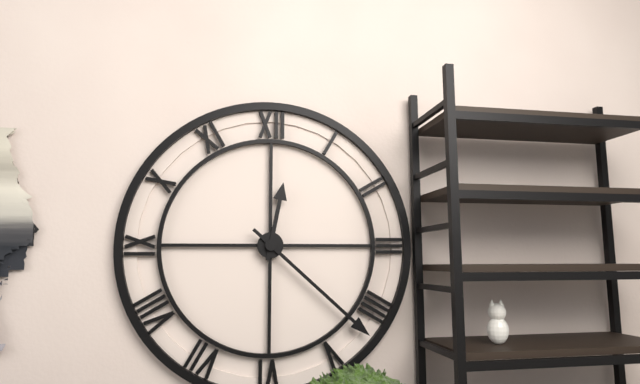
12:22
